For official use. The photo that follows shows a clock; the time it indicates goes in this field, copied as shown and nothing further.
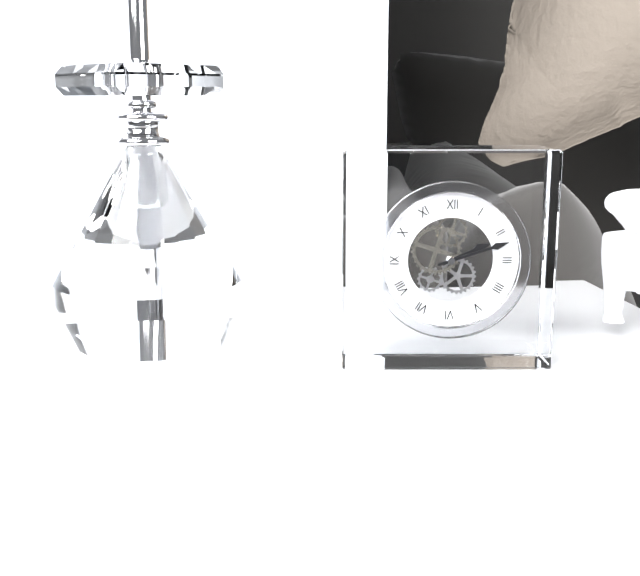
2:12
